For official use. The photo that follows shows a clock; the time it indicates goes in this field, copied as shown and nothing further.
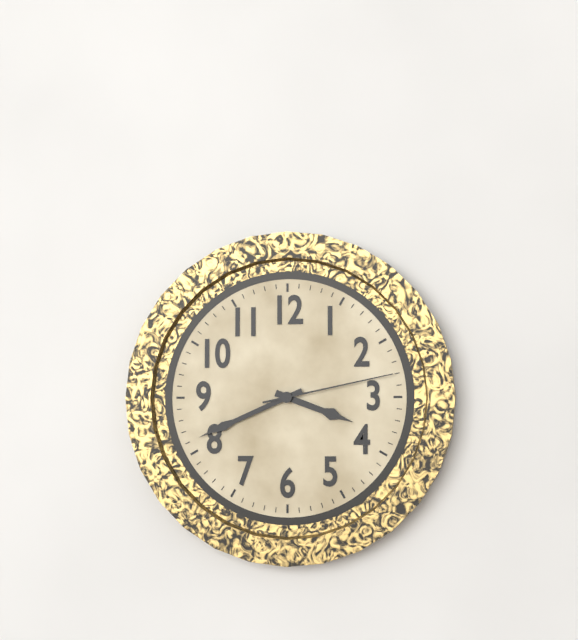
3:41:13
